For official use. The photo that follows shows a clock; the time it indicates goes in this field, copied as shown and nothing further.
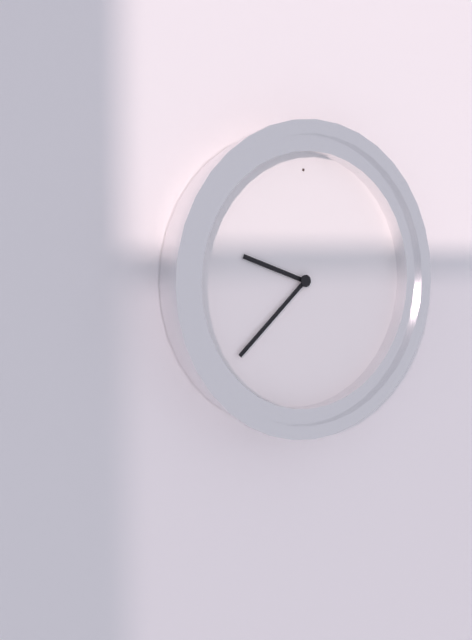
9:38
